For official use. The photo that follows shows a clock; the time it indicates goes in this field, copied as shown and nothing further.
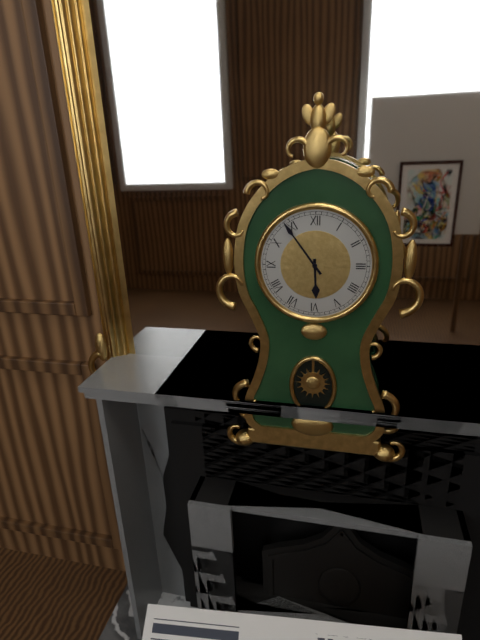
5:54
